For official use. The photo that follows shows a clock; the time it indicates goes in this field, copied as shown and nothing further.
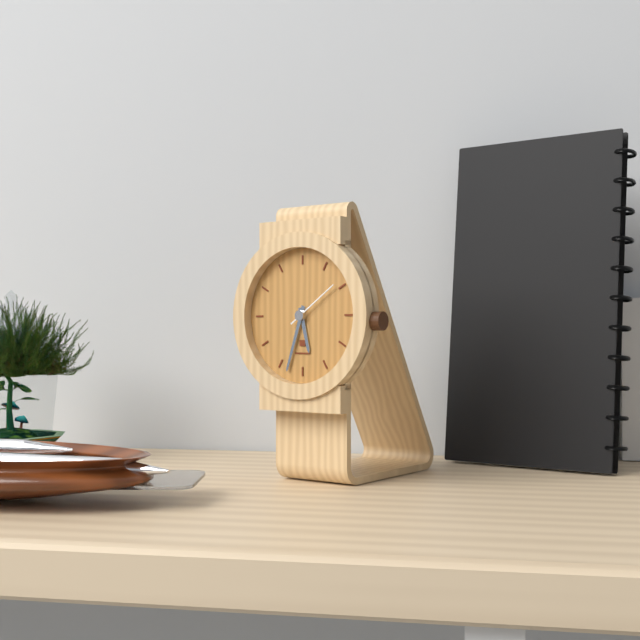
5:33:09
